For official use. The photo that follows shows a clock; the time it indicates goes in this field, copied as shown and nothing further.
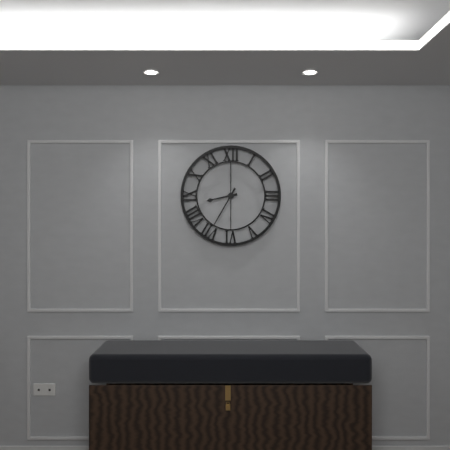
8:35
